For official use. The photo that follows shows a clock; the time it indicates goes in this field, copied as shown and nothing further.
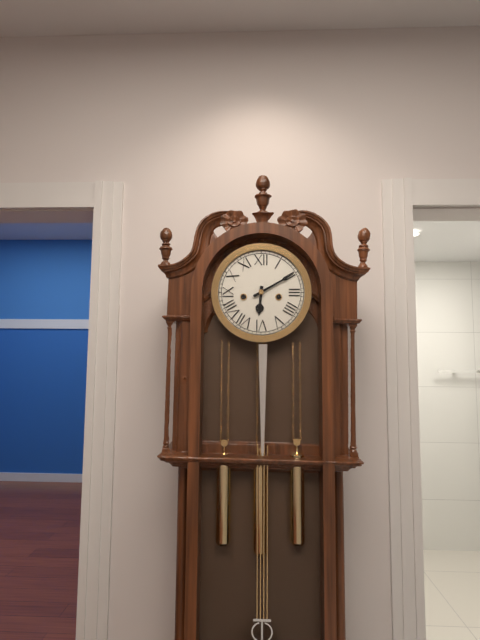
6:10
